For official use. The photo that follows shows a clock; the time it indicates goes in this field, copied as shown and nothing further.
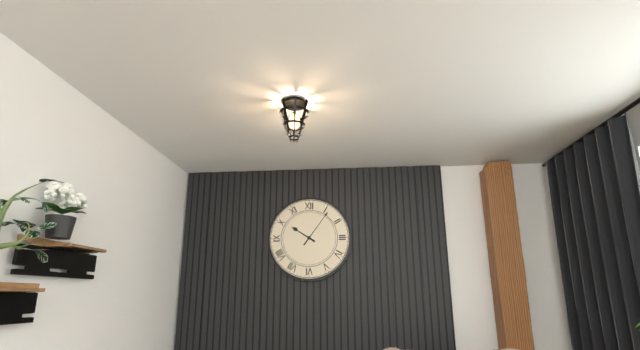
10:06
